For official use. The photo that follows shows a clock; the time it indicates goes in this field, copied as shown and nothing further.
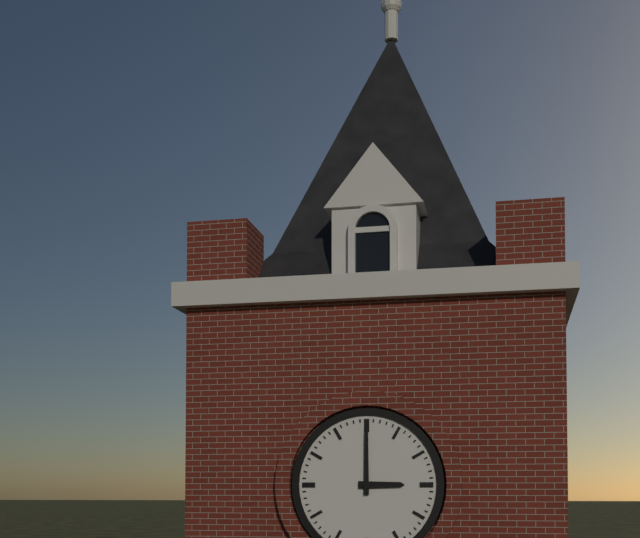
3:00
